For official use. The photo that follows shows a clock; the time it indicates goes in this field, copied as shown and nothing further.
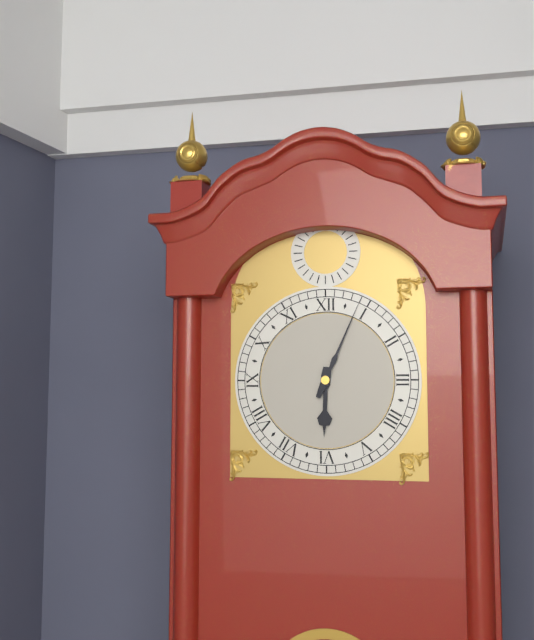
6:04
